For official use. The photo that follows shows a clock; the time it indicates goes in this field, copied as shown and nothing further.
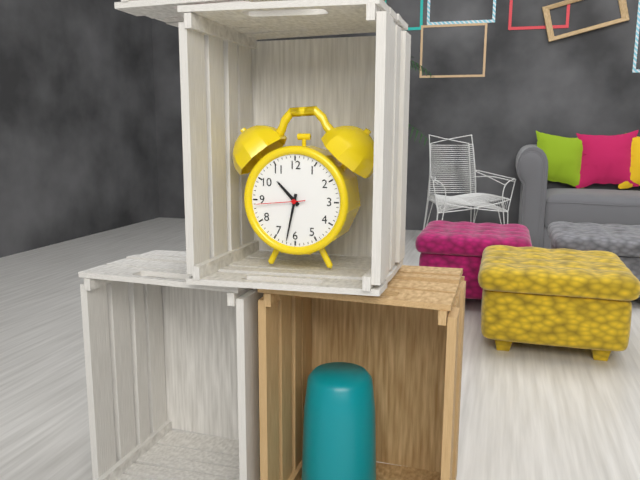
10:32:44
